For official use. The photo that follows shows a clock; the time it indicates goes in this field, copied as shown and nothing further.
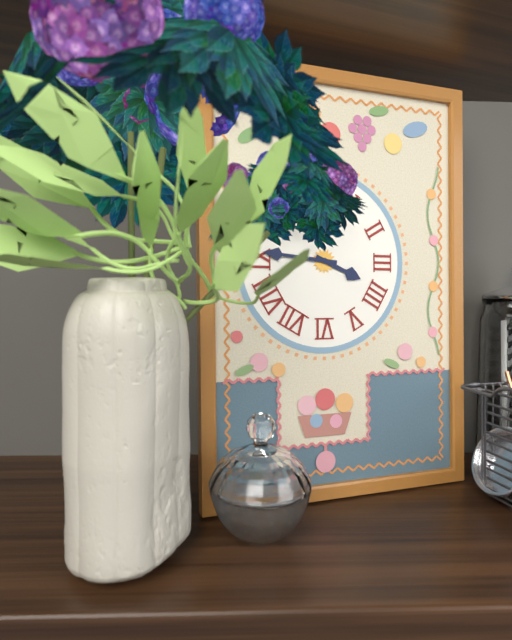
3:46
